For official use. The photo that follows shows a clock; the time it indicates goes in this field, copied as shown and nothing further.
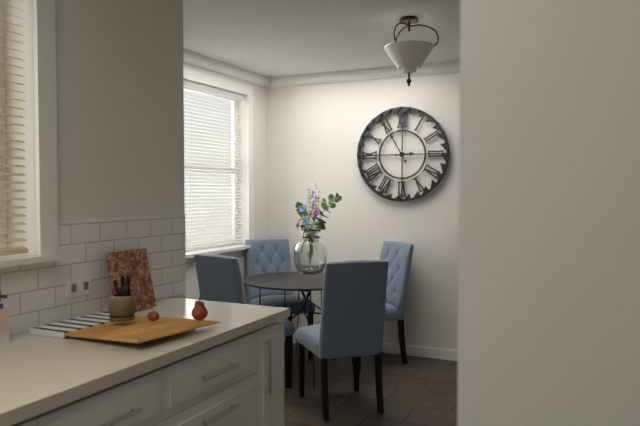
2:55
